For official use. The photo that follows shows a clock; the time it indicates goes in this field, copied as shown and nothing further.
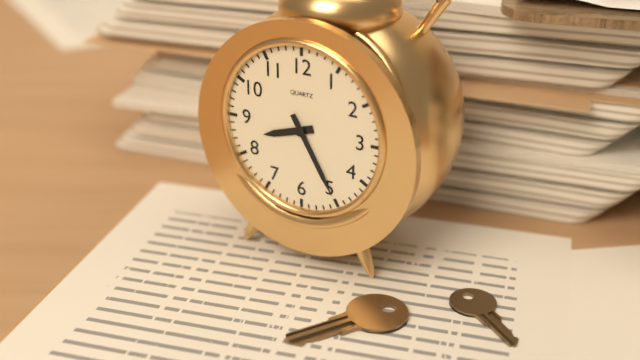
8:25
